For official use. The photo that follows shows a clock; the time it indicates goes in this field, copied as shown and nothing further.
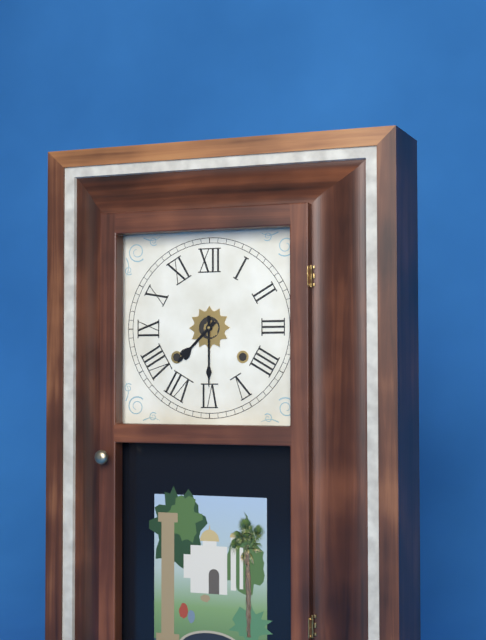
7:30
